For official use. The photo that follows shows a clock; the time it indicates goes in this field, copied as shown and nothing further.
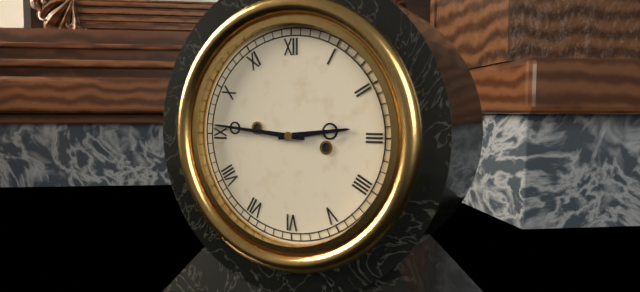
2:46
